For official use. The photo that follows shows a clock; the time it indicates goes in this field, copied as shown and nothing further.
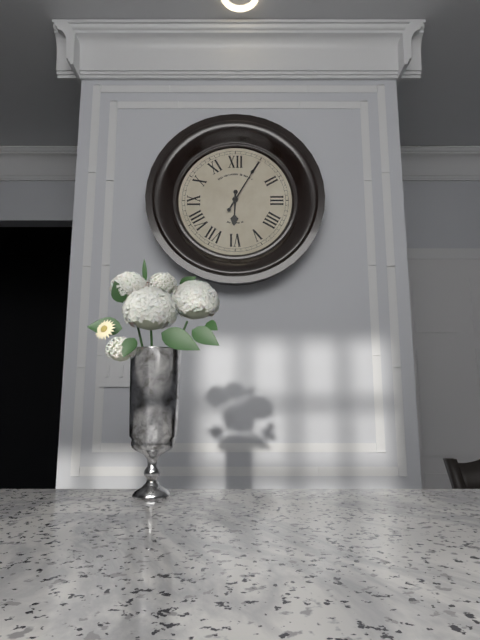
6:05
